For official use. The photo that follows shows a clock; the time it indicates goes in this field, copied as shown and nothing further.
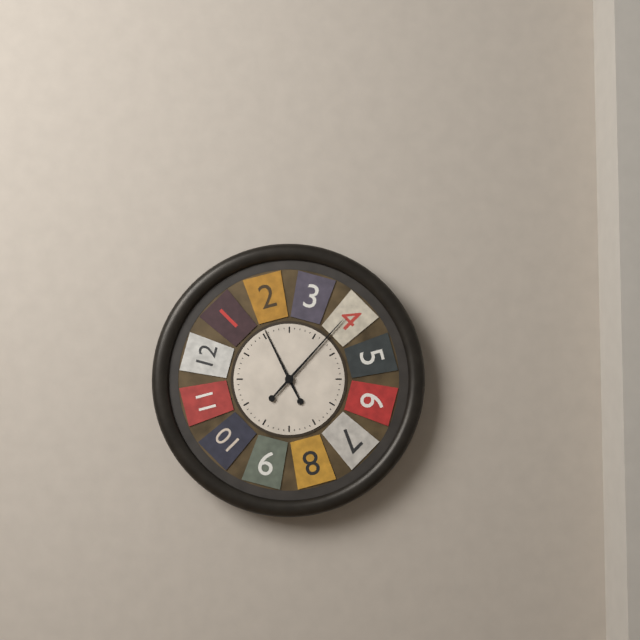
11:07
